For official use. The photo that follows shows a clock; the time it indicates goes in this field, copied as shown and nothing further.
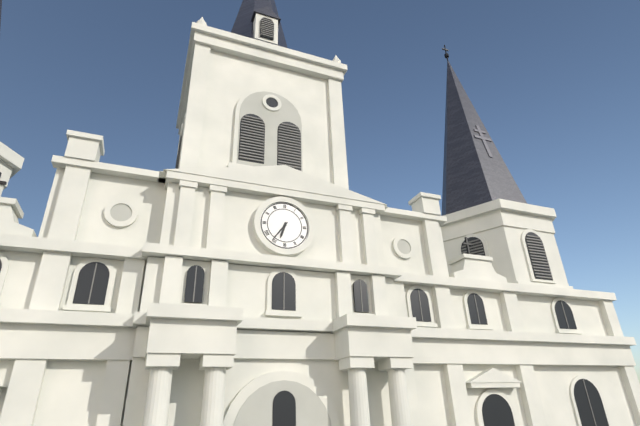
6:36
